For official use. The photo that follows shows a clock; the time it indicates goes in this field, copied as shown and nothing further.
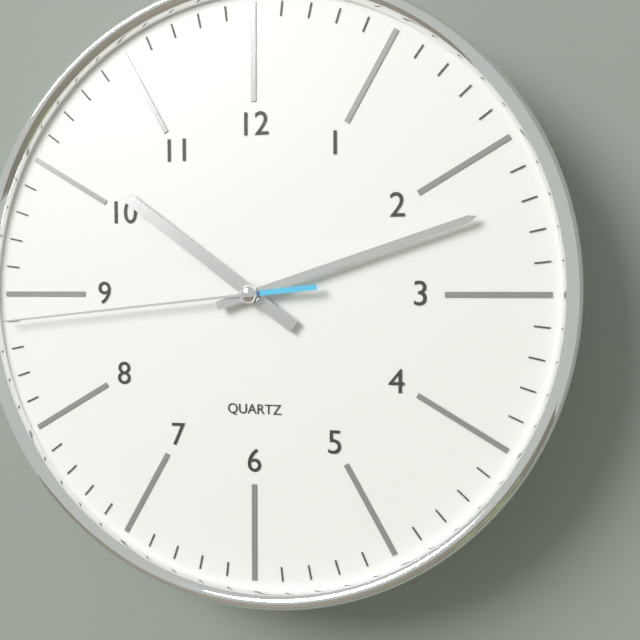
10:12:44
